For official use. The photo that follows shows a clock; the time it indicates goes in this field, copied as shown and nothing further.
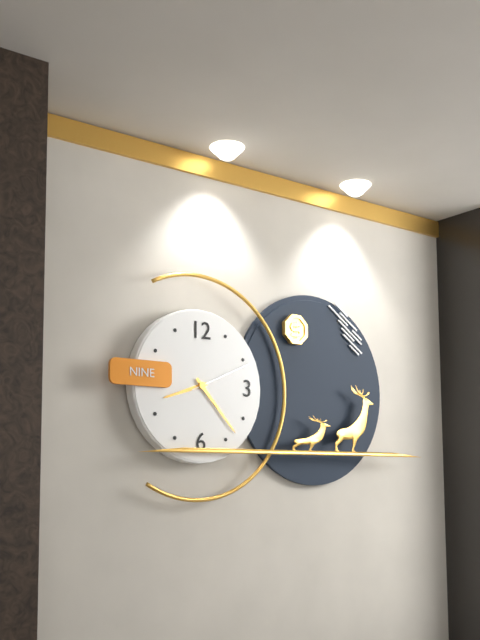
8:23:11
